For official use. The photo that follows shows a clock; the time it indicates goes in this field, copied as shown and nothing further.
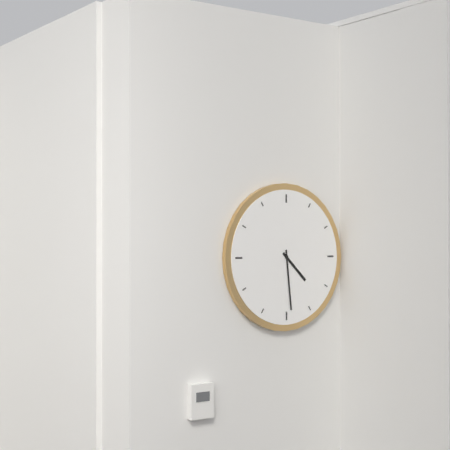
4:29
